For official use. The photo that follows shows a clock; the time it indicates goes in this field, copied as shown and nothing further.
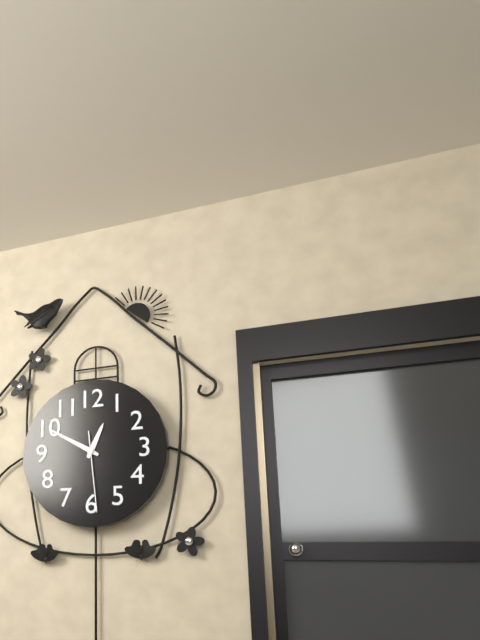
12:50:29
